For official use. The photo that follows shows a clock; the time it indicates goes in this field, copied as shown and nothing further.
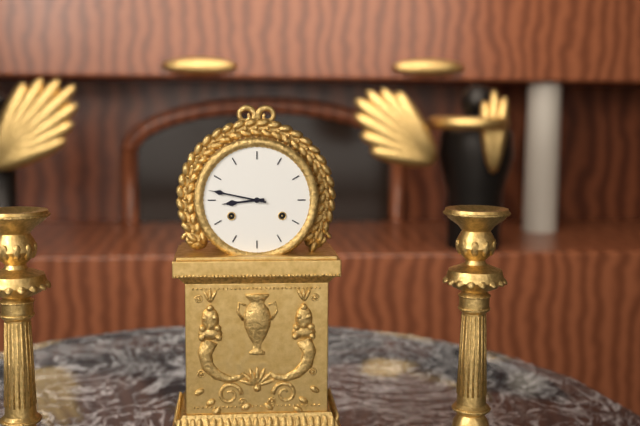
8:47
